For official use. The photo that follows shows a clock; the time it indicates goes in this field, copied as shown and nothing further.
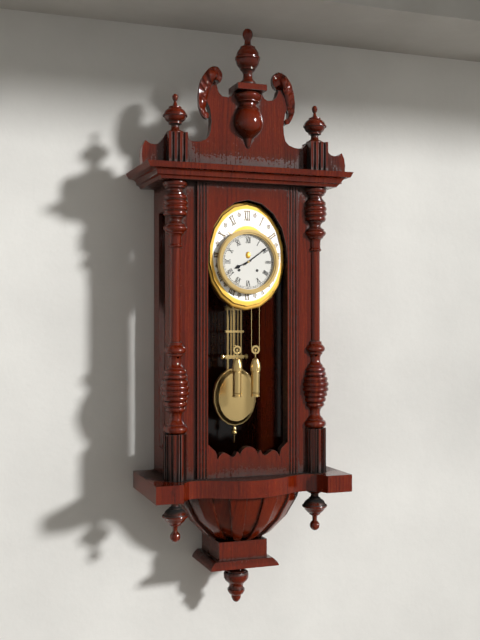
8:09
